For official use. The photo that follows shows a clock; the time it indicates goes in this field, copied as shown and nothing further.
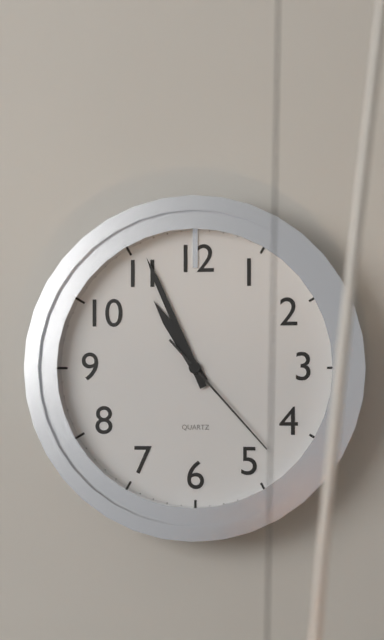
10:56:23
